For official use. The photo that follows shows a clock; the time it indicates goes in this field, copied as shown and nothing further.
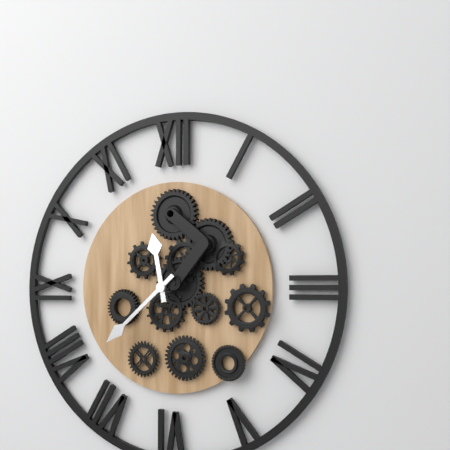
11:38
